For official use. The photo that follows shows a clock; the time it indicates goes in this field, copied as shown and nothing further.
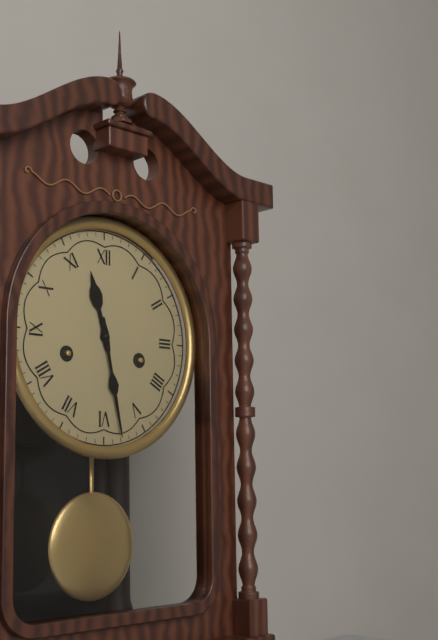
11:28
